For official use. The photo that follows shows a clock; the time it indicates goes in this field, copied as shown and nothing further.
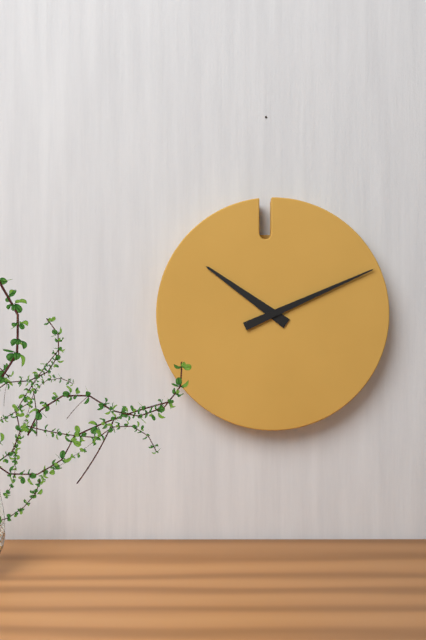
10:11
